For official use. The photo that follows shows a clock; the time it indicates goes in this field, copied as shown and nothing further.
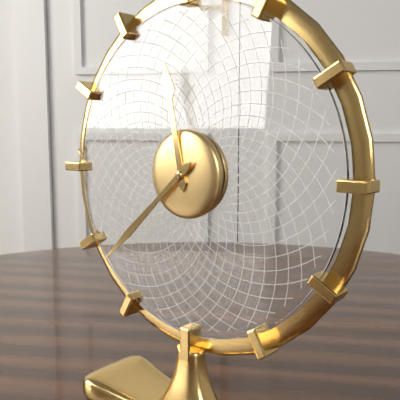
11:38
